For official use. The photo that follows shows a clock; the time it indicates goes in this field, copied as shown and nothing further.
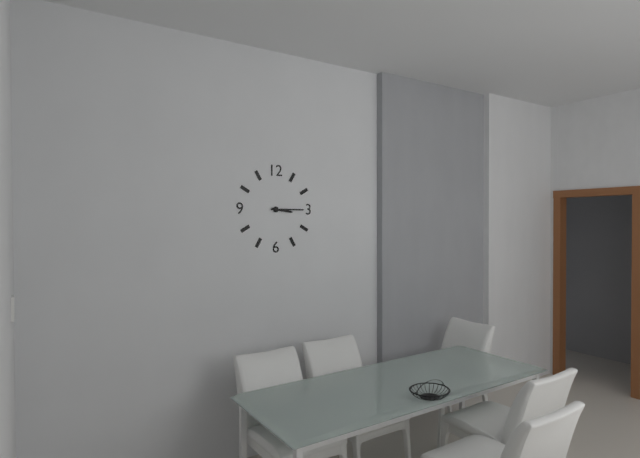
3:15
